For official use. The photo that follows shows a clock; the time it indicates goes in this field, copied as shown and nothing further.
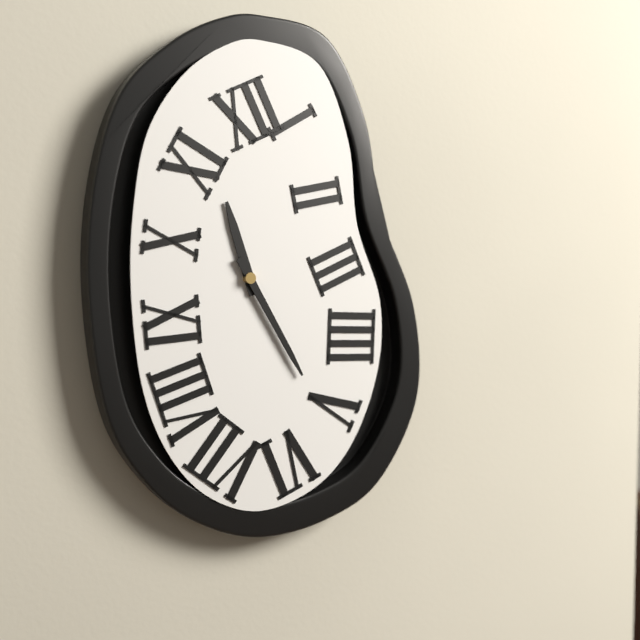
11:25
